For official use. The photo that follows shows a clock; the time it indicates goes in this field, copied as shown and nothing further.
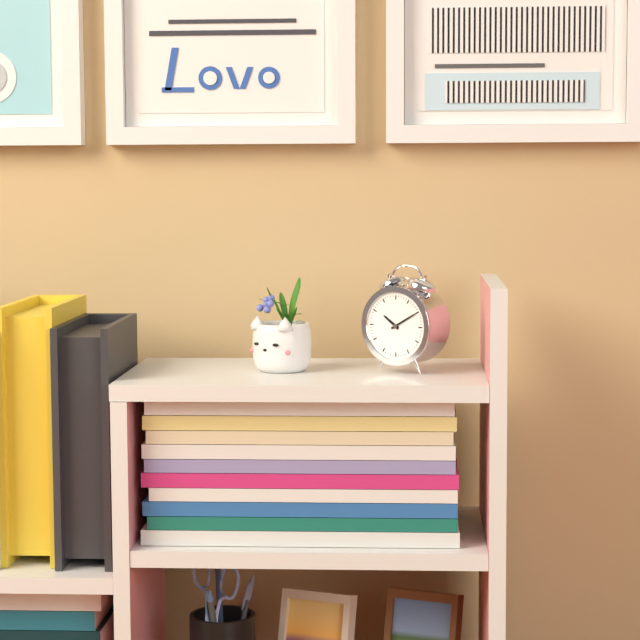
10:10
